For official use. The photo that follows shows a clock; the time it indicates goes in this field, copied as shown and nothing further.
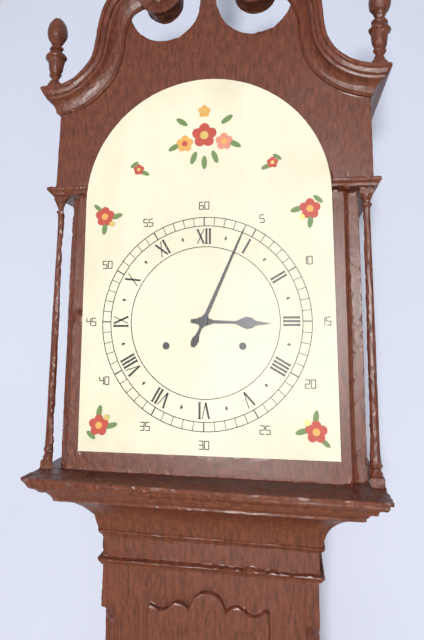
3:04
